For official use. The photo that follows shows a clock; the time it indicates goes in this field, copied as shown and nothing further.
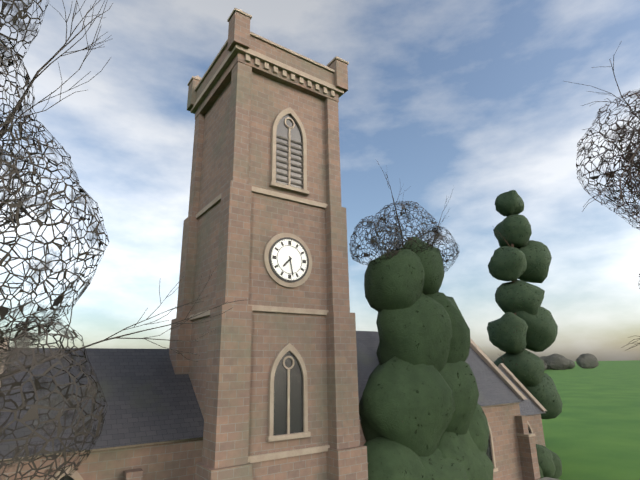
7:28
